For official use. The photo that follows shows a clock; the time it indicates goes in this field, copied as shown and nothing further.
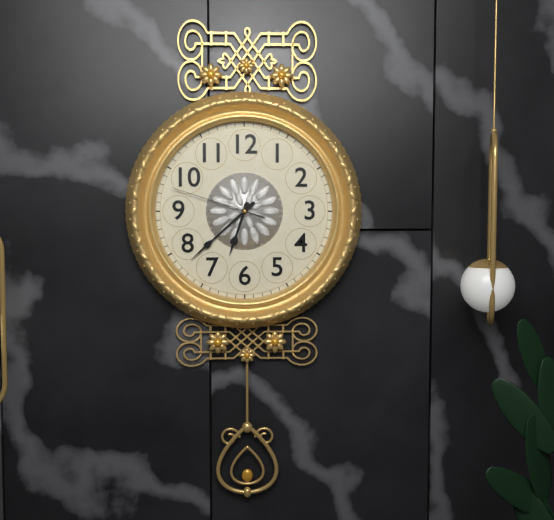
6:38:48
